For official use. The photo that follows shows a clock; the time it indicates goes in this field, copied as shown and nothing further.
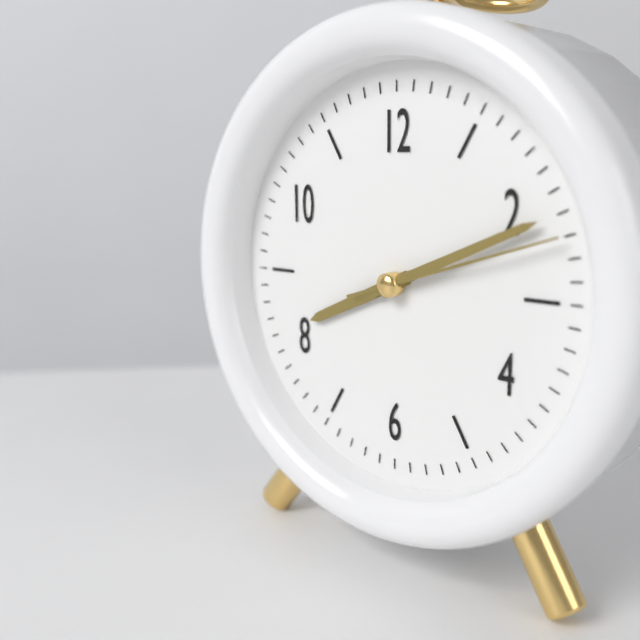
8:11:12
